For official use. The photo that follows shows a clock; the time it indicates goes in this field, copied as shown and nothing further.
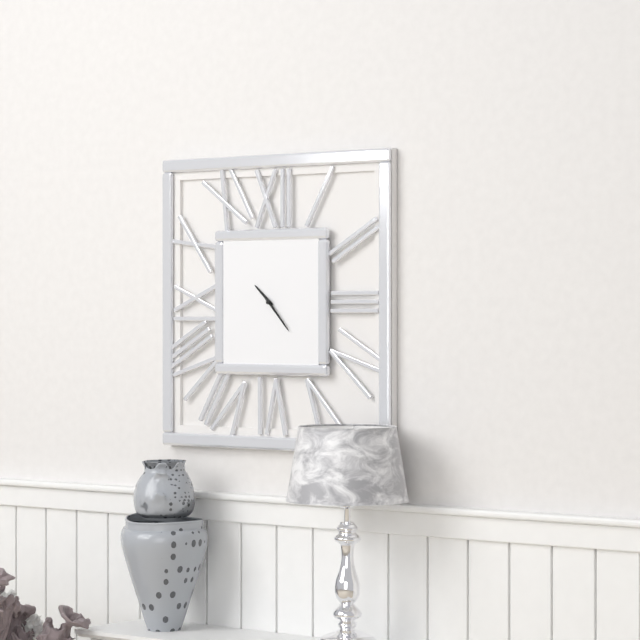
10:23
